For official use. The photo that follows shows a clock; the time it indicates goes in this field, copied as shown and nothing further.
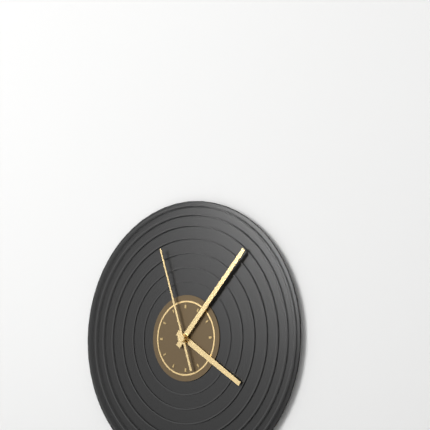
4:07:57
